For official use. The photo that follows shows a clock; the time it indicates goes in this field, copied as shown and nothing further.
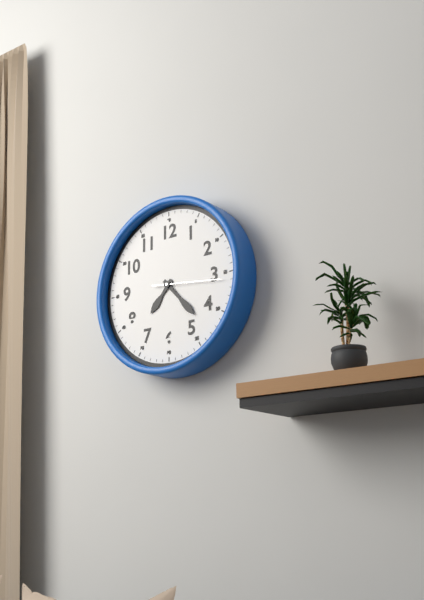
7:23:16
